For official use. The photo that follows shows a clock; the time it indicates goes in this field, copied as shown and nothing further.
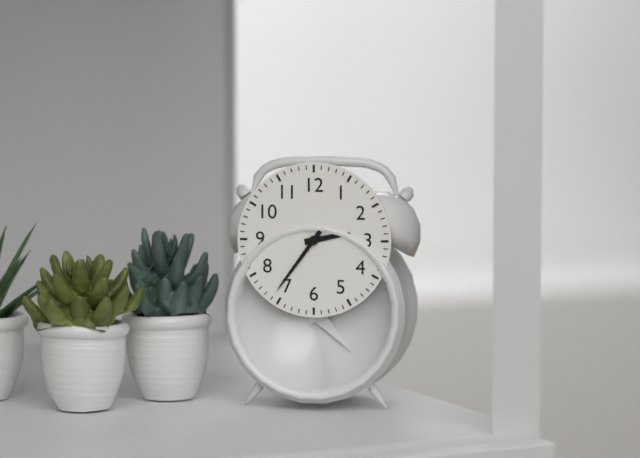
2:36
